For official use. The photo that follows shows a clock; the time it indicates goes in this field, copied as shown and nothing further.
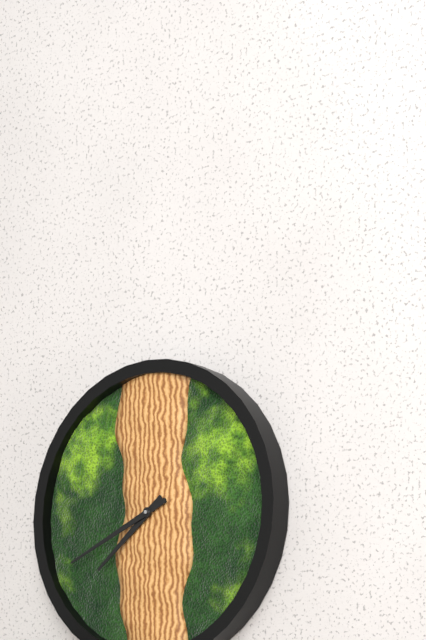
7:41
